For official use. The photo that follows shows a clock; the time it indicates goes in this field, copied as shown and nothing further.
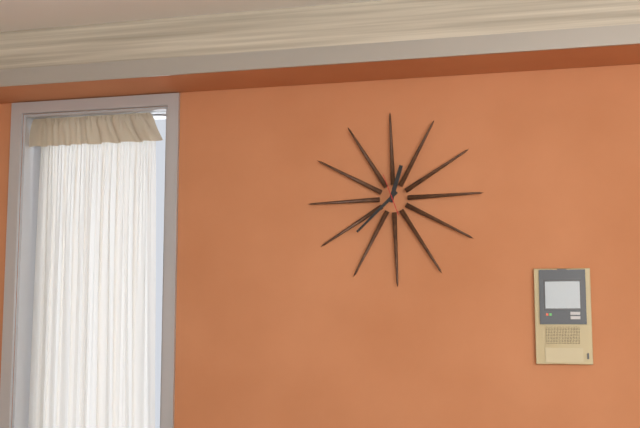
12:38
